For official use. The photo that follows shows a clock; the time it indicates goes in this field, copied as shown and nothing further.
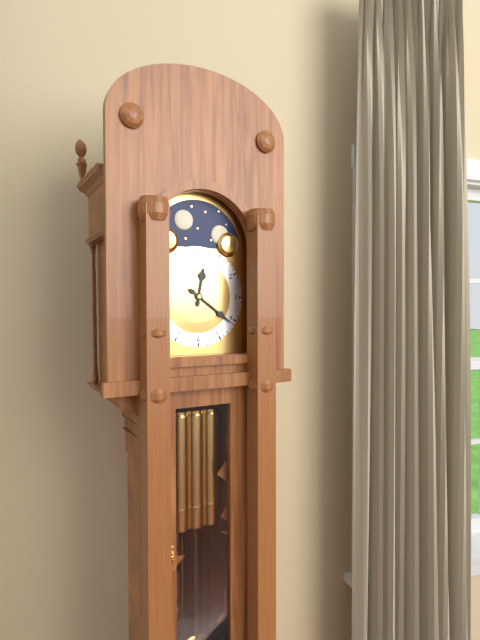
12:21
